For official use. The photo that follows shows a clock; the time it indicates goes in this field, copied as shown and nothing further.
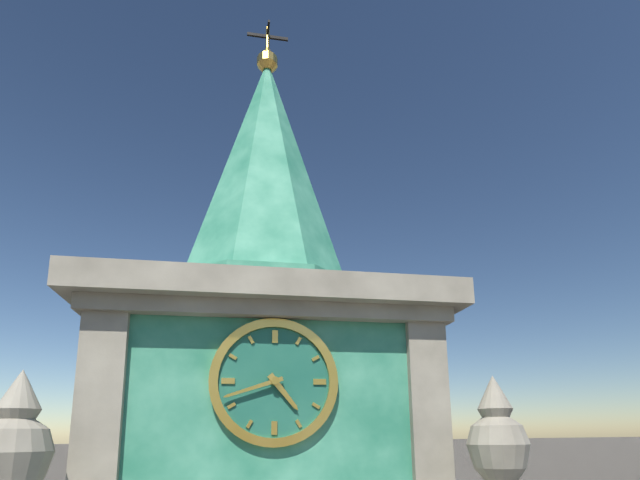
4:42
